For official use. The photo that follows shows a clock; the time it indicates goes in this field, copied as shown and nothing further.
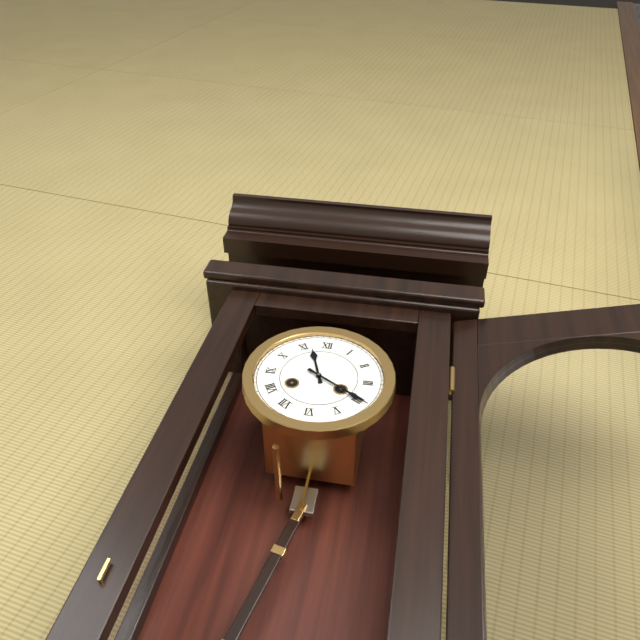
11:20
